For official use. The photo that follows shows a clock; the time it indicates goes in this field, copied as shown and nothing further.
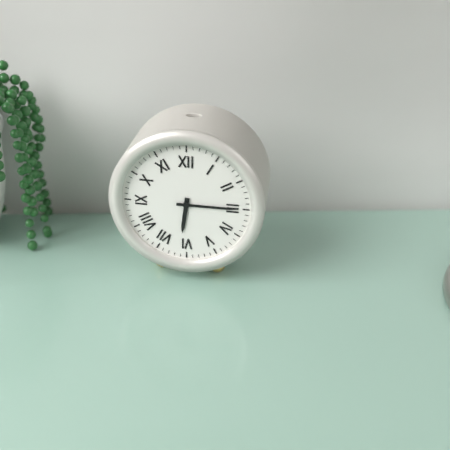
6:15
